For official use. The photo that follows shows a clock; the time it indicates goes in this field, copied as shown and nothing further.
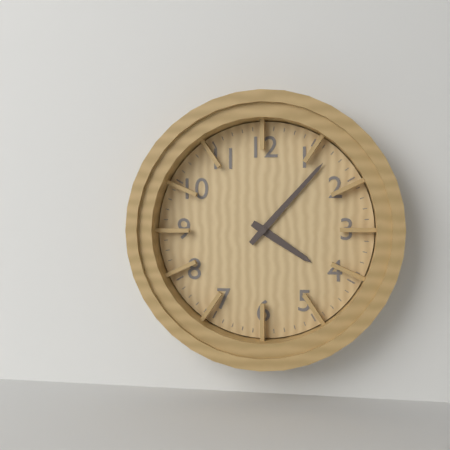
4:07
